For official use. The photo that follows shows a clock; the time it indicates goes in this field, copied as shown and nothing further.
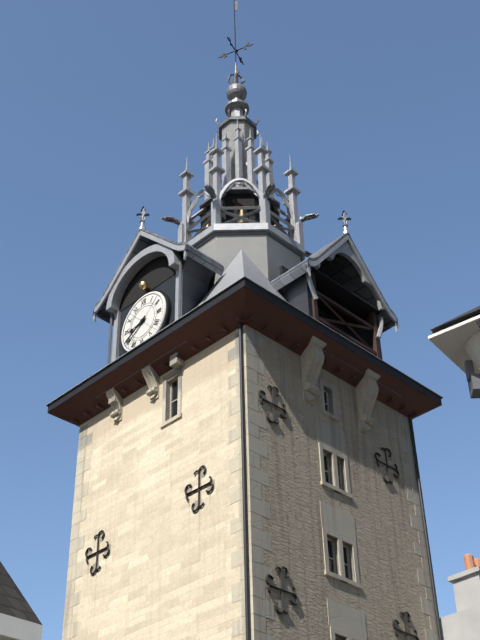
8:40
